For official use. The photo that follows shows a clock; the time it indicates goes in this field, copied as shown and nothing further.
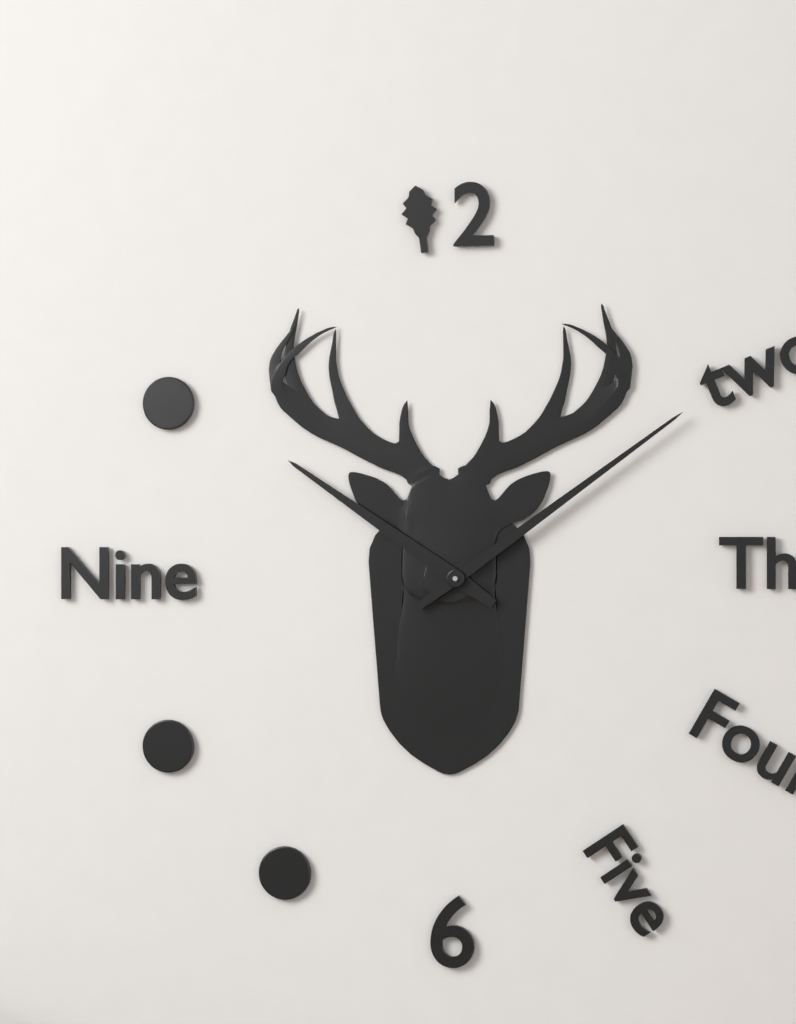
10:09
